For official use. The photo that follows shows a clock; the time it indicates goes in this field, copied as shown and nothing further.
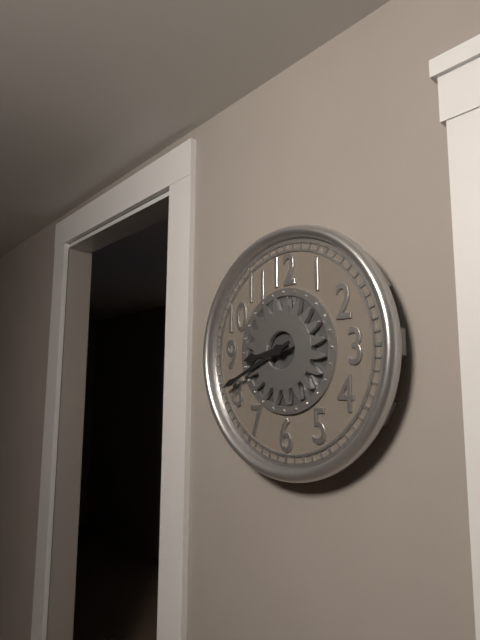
8:41
